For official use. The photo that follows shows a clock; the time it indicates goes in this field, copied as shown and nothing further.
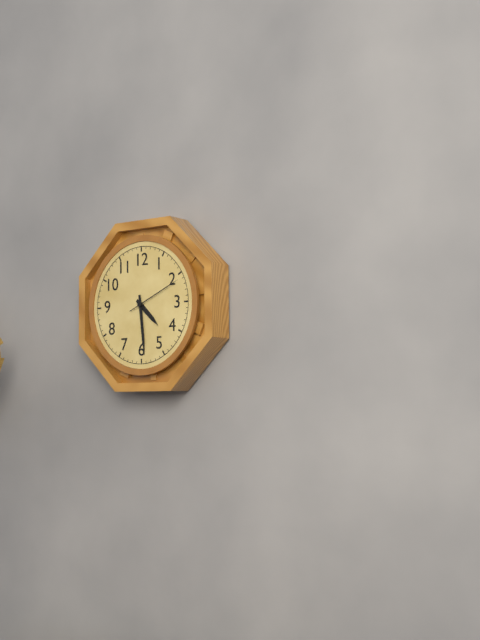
4:29:11
